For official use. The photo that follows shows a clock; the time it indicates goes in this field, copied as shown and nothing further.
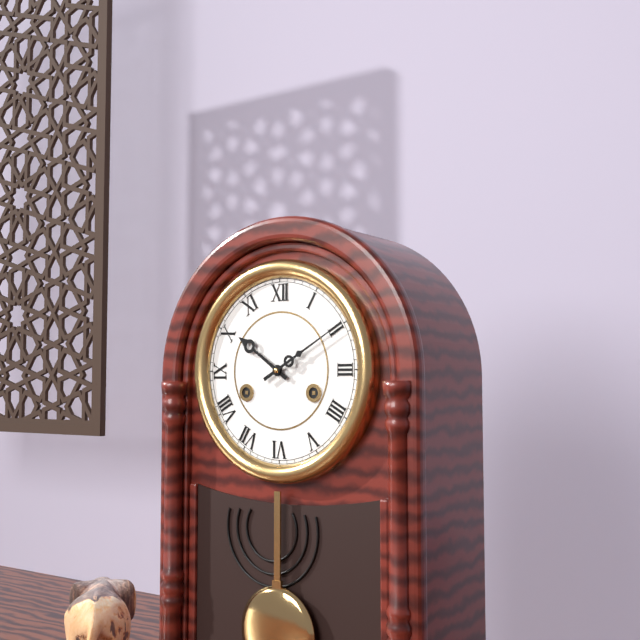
10:10
